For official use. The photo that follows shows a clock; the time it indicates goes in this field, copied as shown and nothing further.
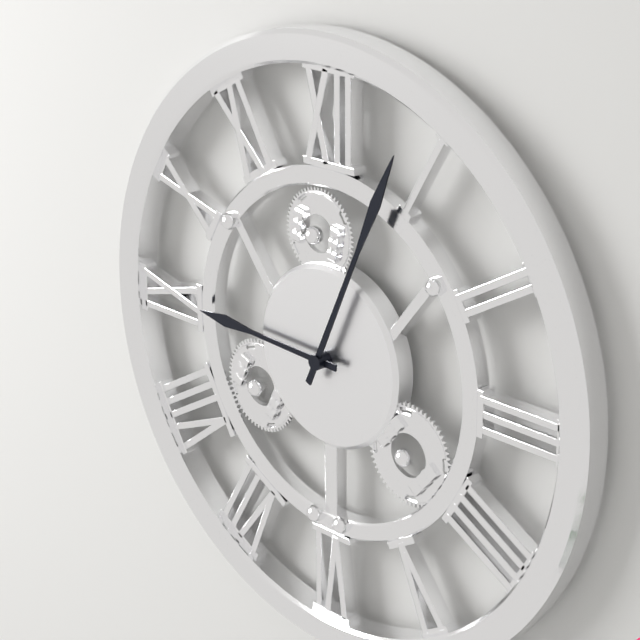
9:04
